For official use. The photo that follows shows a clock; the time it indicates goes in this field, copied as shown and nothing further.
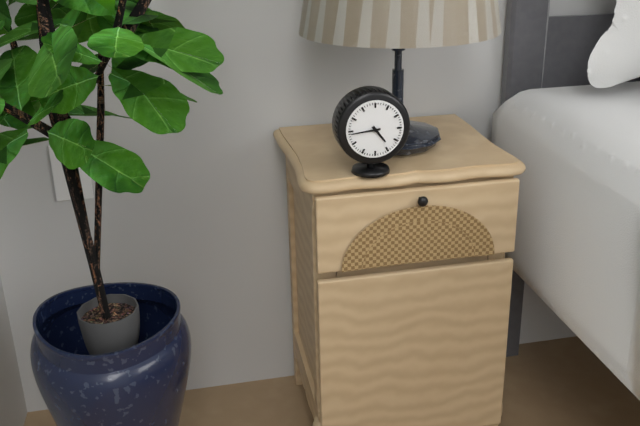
4:44
